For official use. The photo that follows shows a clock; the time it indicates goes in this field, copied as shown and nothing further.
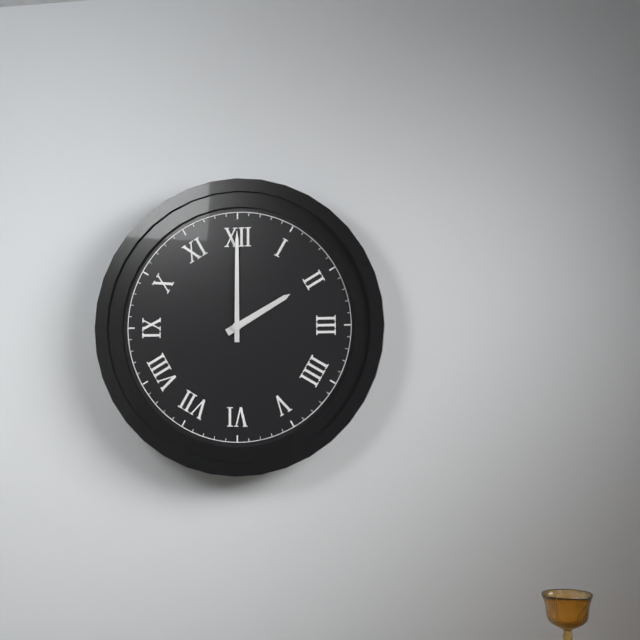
2:00
